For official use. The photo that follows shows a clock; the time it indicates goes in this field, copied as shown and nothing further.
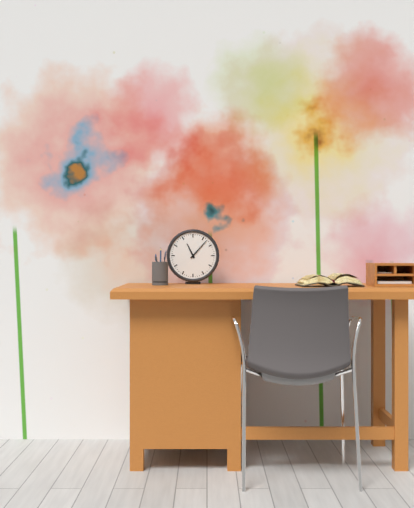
11:07
